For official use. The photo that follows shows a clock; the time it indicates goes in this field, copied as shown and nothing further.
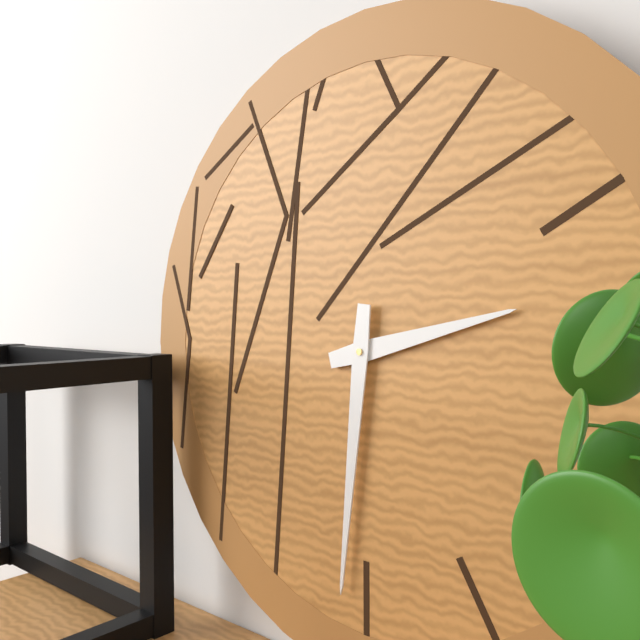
2:31
